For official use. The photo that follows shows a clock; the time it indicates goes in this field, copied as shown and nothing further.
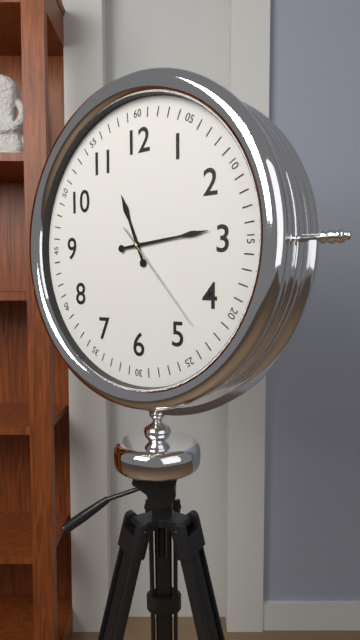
11:14:23
